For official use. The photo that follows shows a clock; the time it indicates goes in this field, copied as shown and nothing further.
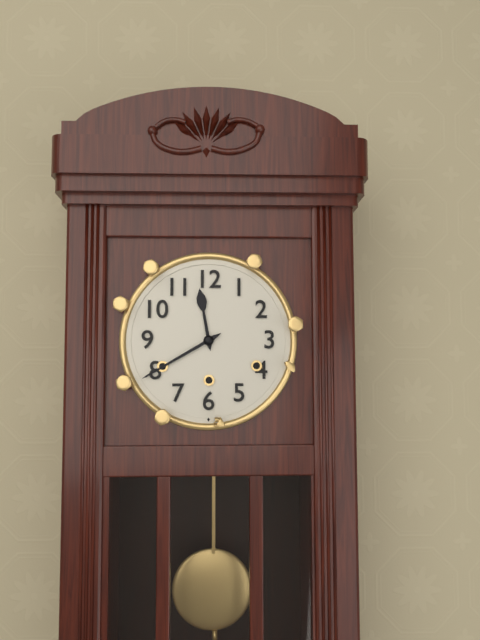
11:40
